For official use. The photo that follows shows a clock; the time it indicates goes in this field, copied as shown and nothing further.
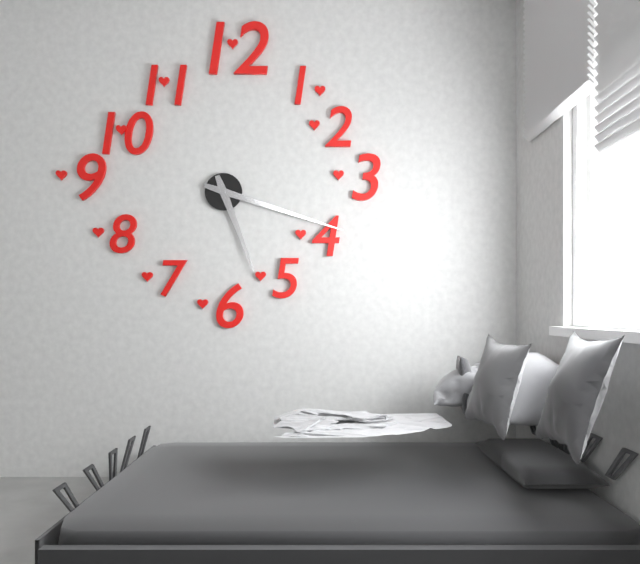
5:18
